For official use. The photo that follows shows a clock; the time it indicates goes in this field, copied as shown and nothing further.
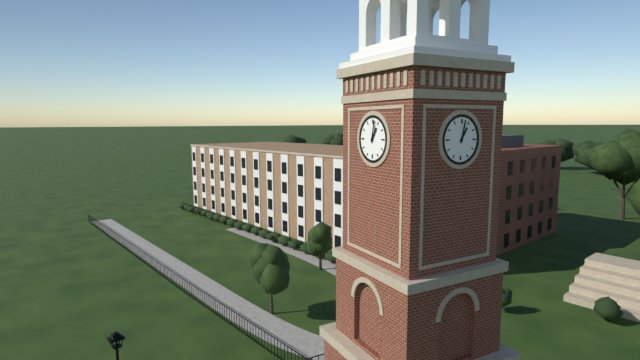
1:02
